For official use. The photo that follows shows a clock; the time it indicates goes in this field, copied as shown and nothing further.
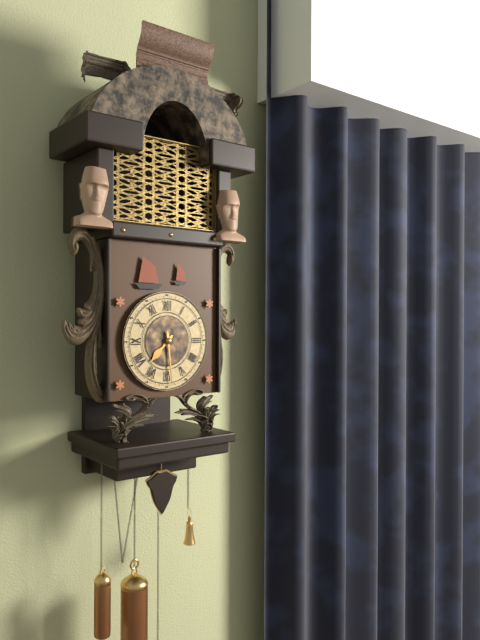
7:29
